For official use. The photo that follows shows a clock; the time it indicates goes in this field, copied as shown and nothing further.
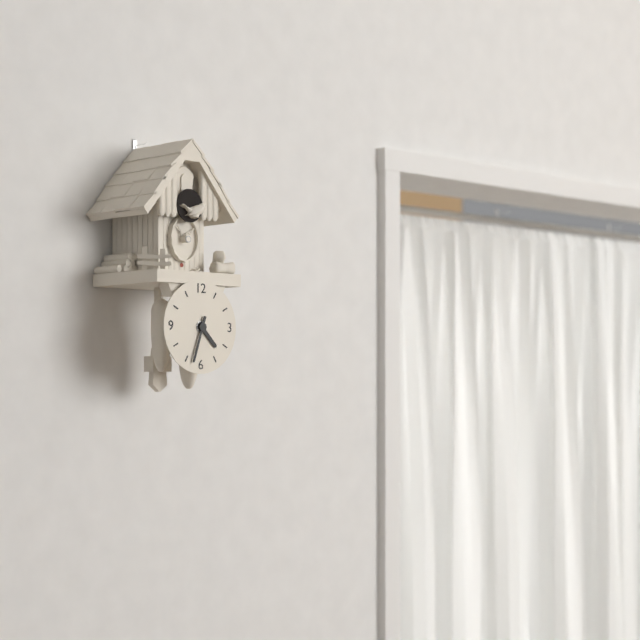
4:33
